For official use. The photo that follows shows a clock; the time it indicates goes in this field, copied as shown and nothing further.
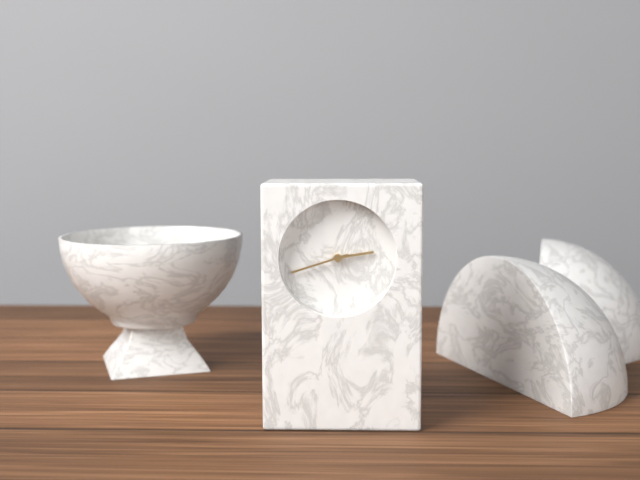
2:42
